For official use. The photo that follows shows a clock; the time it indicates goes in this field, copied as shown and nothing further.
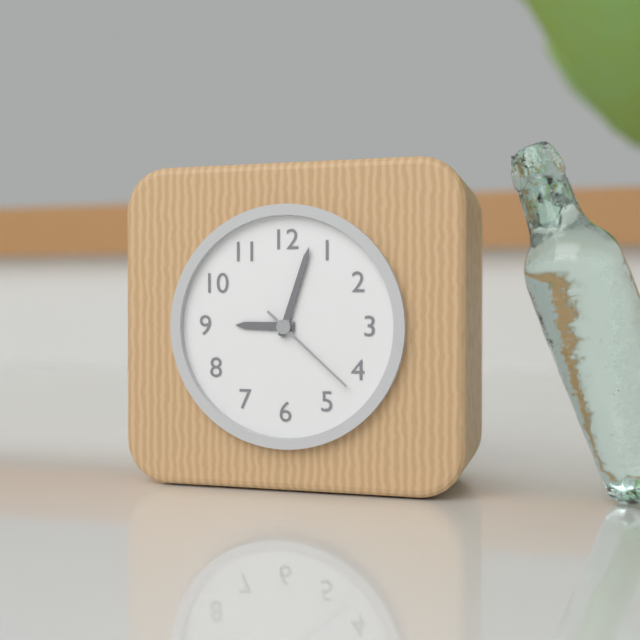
9:03:22
